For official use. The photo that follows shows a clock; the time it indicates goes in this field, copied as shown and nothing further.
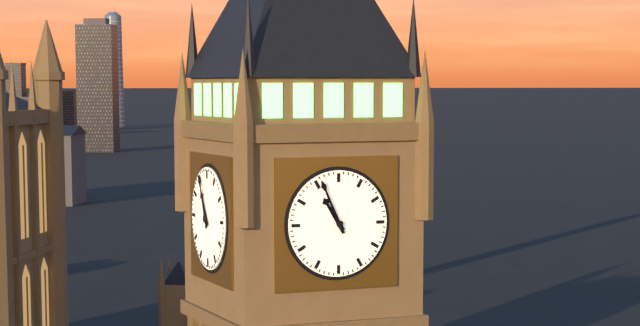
10:56
